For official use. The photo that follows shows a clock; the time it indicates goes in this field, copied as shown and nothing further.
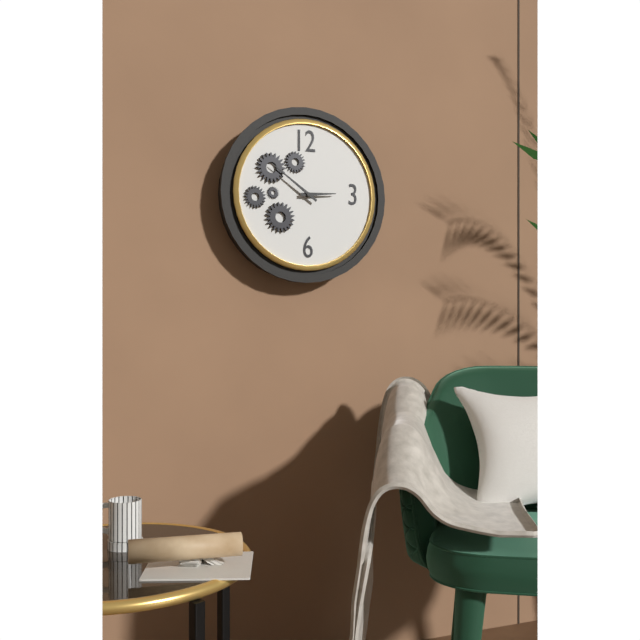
2:51
